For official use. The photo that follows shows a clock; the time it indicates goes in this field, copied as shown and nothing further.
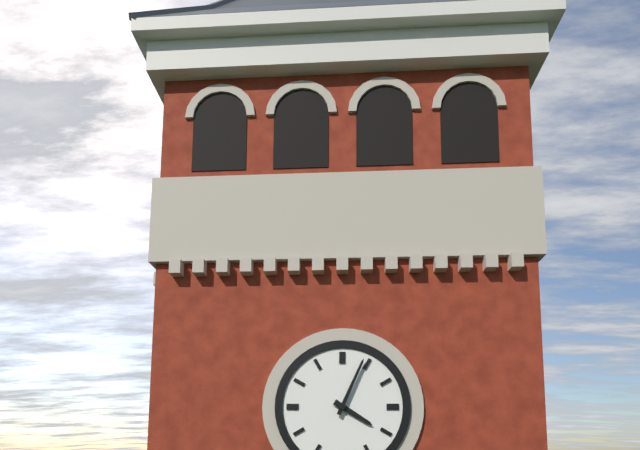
4:04
